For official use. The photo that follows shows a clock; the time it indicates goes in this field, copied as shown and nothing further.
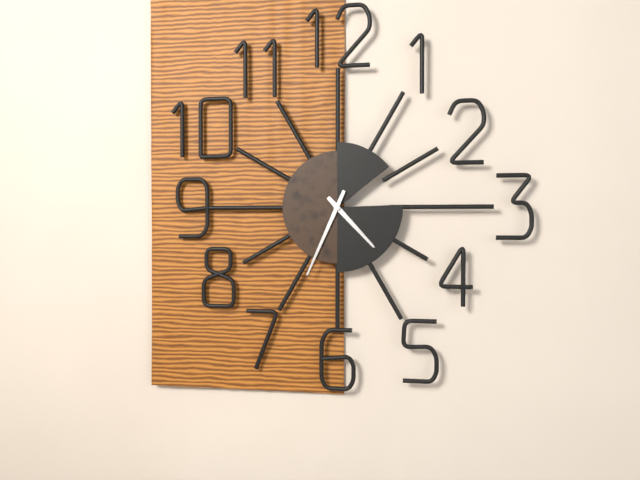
4:34
